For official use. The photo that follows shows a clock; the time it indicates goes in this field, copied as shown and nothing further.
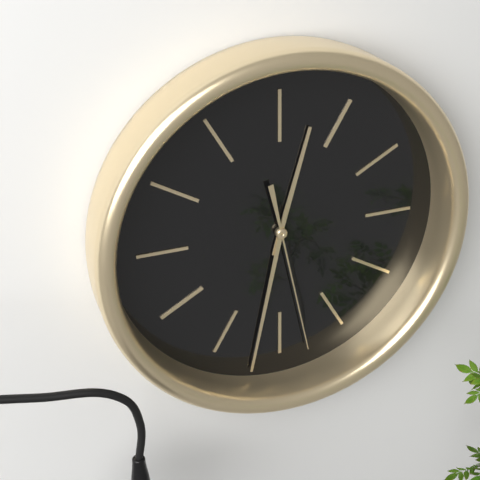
12:32:28
